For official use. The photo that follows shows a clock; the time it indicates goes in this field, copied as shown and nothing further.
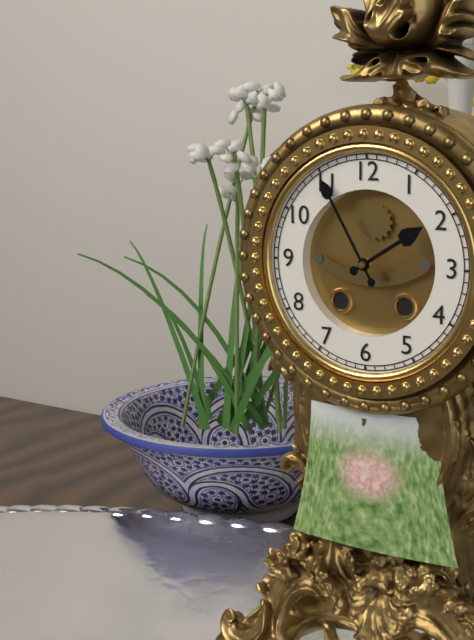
1:55
